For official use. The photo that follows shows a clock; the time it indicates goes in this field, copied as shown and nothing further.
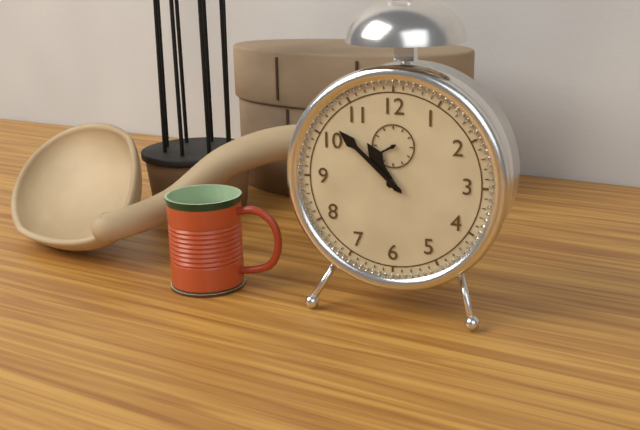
10:52
